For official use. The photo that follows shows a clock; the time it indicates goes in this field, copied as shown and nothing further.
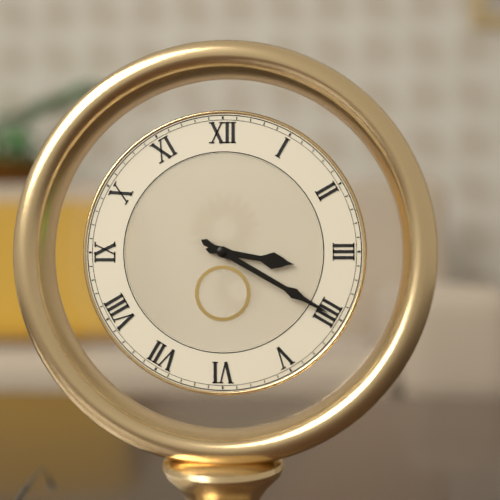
3:20
